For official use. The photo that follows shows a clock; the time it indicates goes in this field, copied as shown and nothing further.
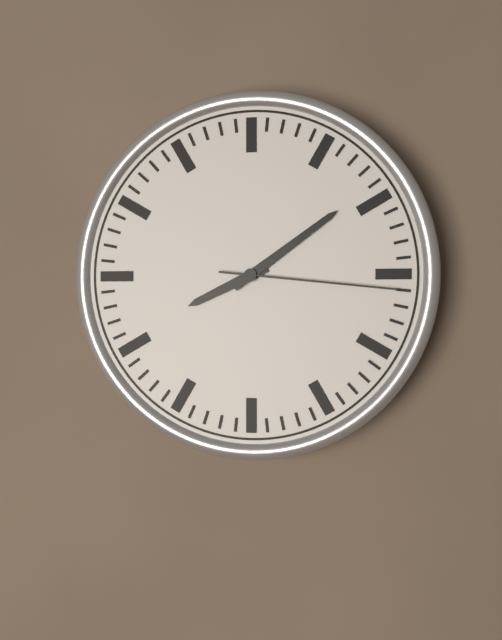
8:09:16
